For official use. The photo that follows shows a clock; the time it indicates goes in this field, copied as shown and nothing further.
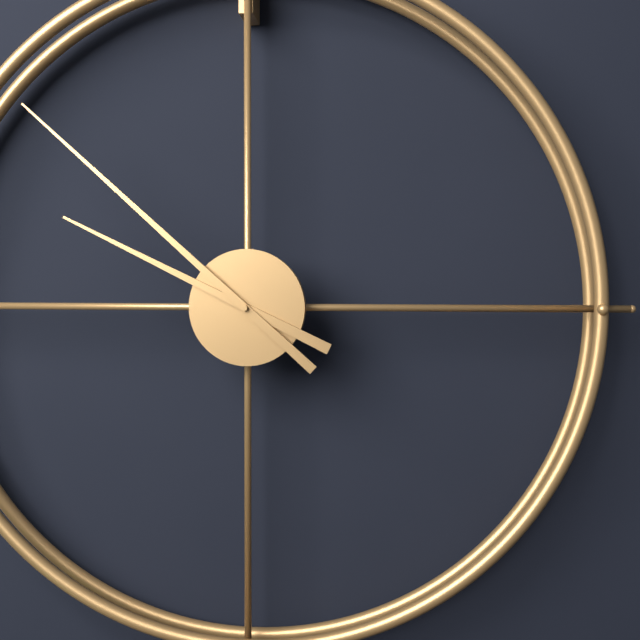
9:52
